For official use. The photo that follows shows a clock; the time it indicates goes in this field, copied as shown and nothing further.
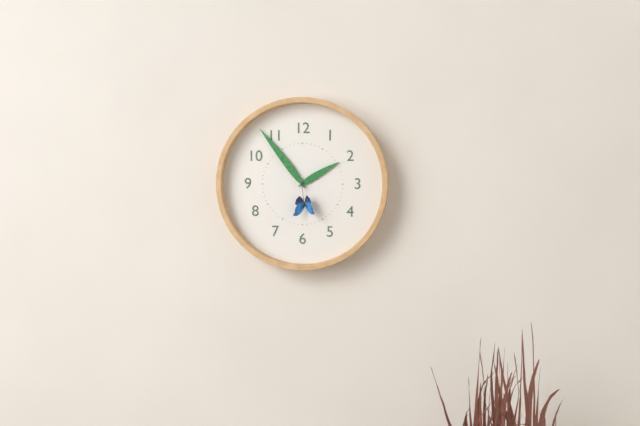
1:54
